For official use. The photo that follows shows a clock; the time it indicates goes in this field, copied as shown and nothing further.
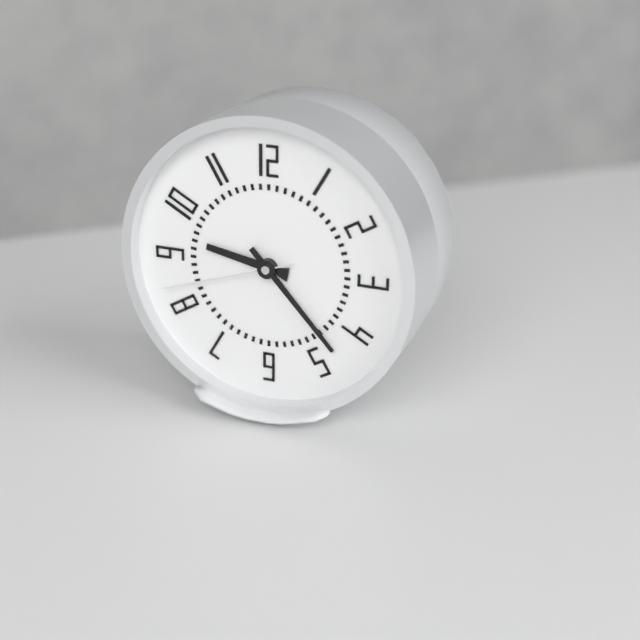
9:23:42
